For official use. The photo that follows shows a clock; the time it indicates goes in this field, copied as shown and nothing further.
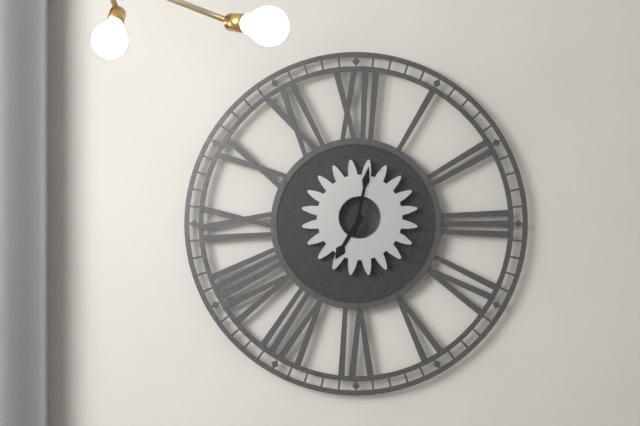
7:02
